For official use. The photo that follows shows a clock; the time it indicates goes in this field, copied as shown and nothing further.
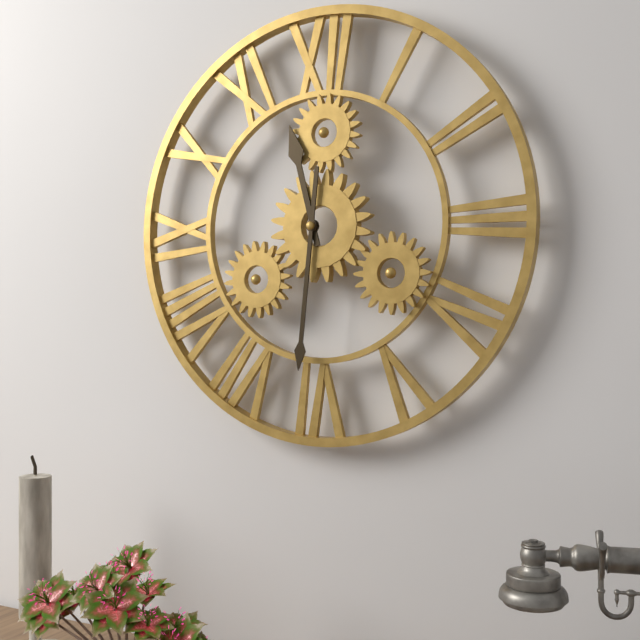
11:31
